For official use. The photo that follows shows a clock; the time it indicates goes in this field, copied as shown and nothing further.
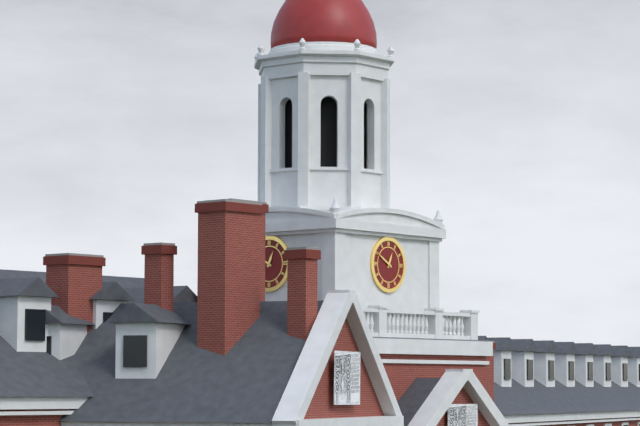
12:50
